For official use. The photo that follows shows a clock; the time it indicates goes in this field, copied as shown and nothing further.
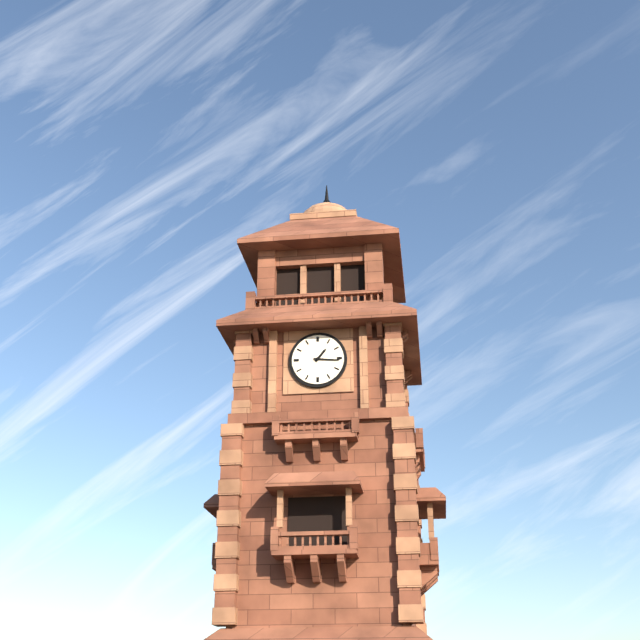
1:16
